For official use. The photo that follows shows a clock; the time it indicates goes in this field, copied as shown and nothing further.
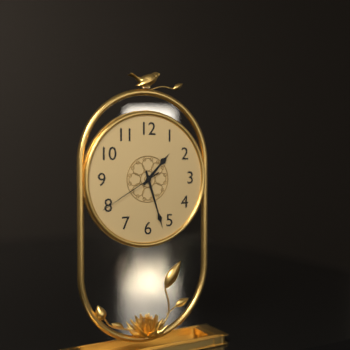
1:27:40
